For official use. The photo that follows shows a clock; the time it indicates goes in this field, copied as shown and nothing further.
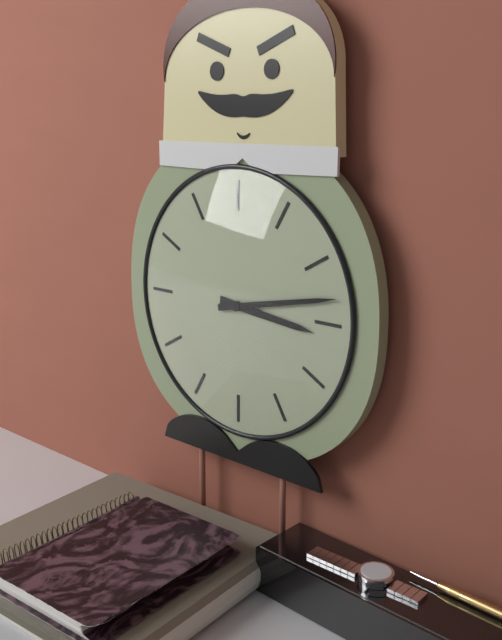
3:13
